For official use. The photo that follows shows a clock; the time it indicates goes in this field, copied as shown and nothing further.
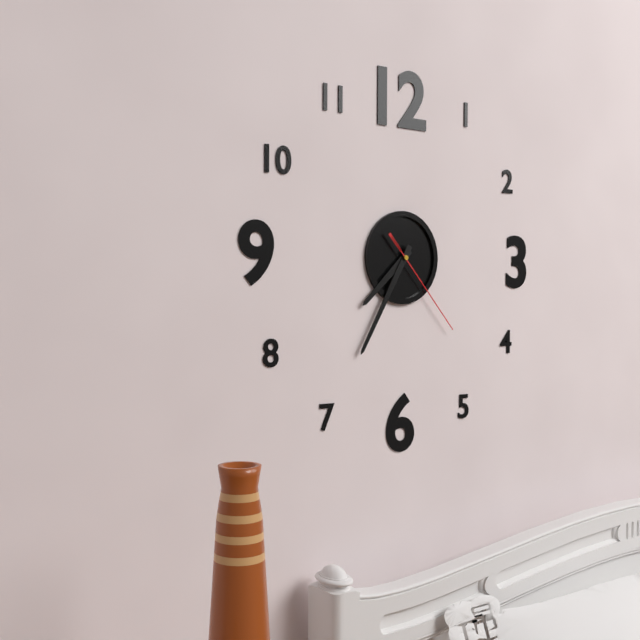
7:35:23
